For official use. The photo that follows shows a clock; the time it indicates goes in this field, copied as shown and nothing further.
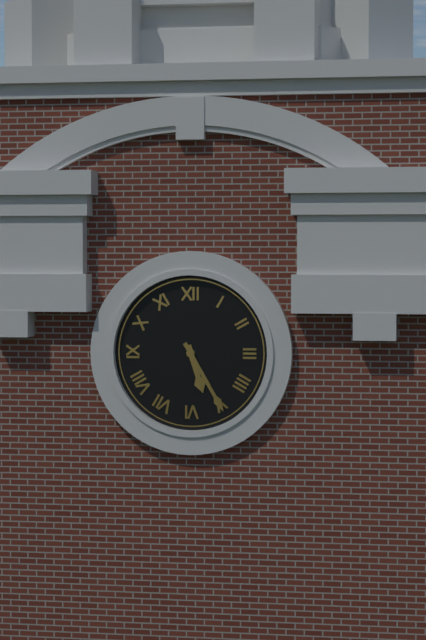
5:25
